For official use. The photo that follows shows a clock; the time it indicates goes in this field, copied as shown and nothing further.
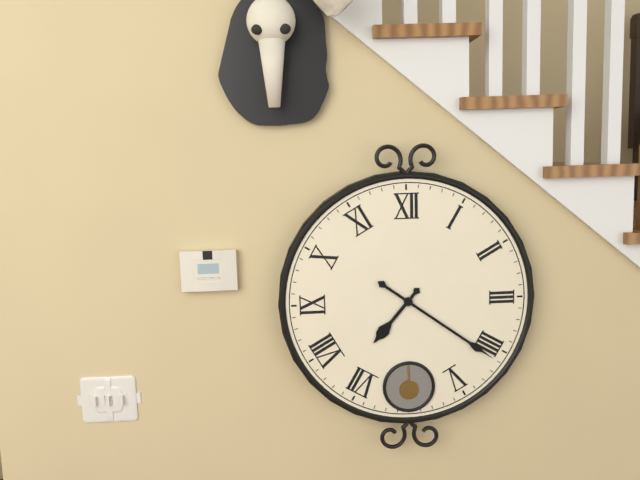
7:21
